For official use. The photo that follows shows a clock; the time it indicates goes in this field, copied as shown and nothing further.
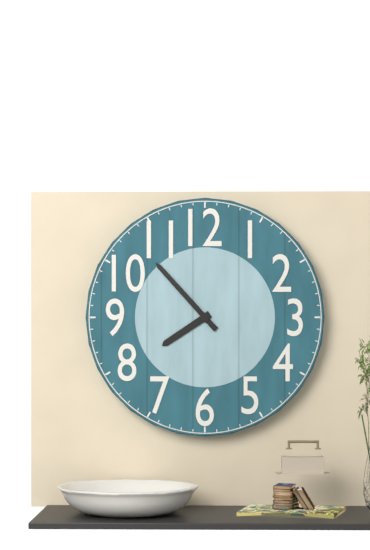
7:53
